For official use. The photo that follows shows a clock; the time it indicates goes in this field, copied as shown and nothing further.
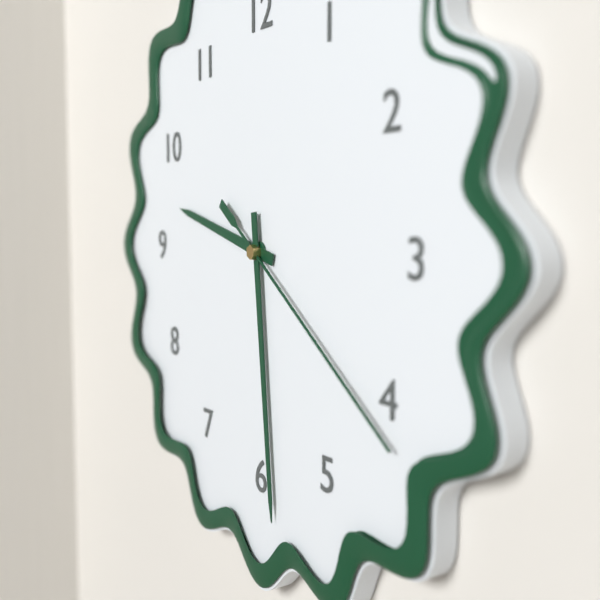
9:29:21
